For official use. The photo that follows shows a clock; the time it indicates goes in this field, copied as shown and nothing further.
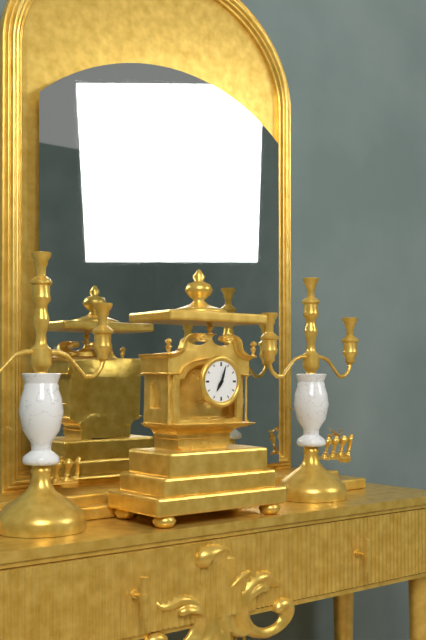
7:03
